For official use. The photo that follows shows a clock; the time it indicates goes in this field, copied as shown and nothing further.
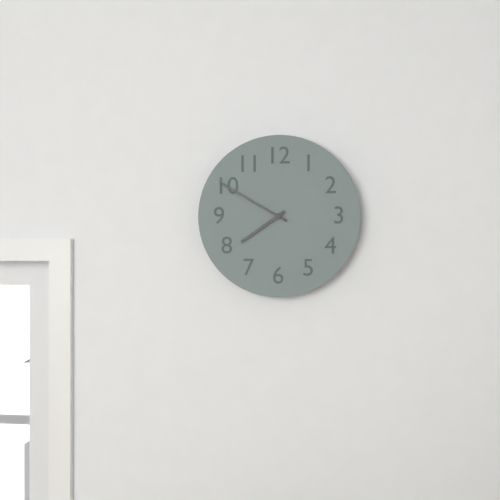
7:50
